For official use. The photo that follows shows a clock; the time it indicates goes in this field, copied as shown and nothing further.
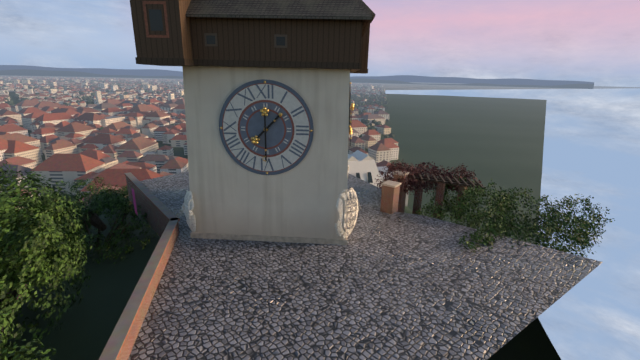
1:30
